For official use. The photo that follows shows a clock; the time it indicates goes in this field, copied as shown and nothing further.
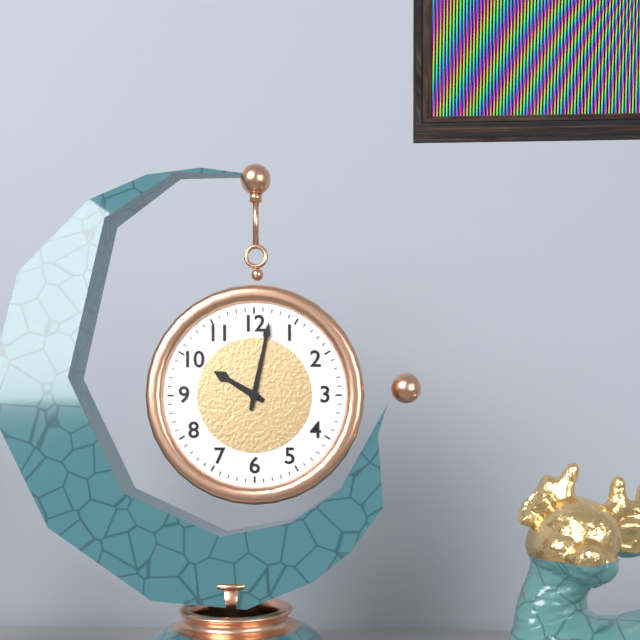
10:02
